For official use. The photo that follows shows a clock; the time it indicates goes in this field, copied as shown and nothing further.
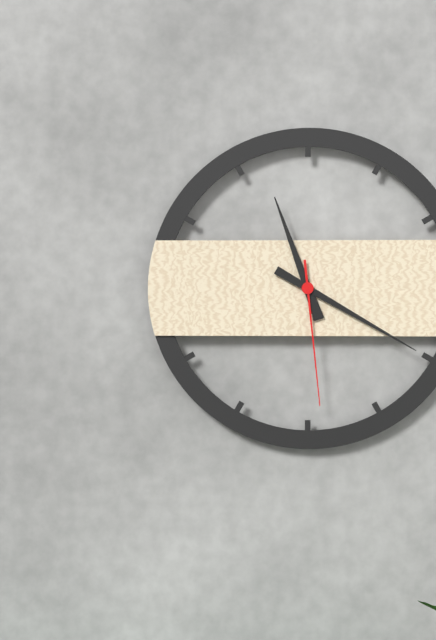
11:20:29
